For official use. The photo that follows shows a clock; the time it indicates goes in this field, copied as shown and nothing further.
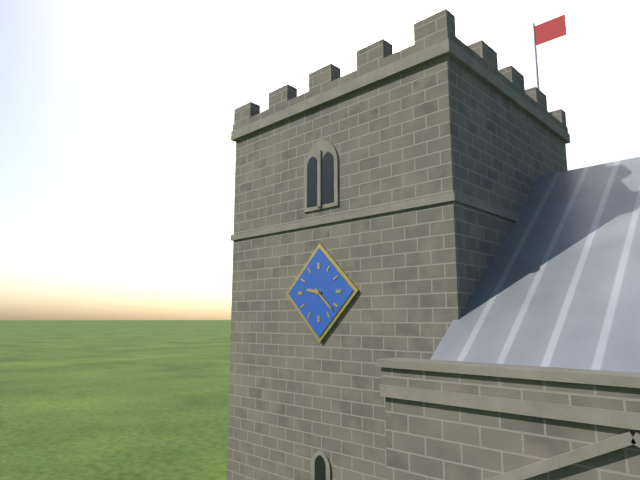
9:22
